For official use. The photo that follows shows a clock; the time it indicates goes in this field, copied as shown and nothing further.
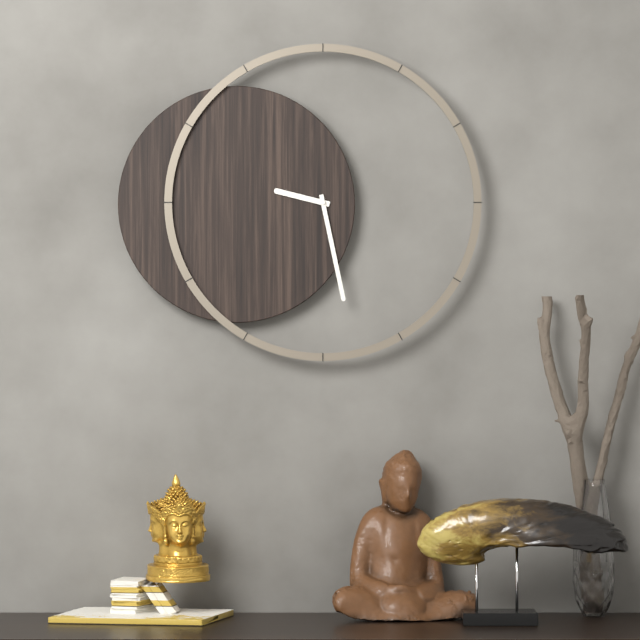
9:28
